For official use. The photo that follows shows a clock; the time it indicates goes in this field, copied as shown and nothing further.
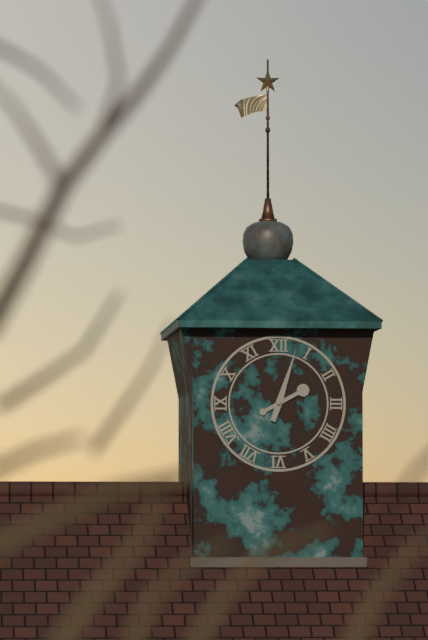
2:03
